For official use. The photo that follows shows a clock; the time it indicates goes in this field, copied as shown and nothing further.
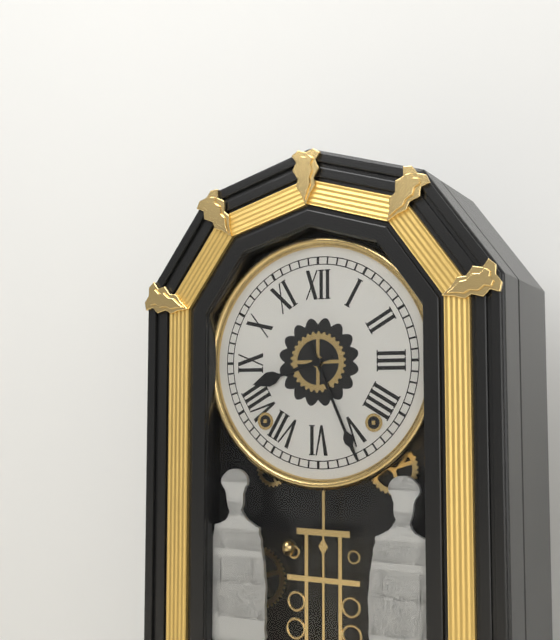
8:26
